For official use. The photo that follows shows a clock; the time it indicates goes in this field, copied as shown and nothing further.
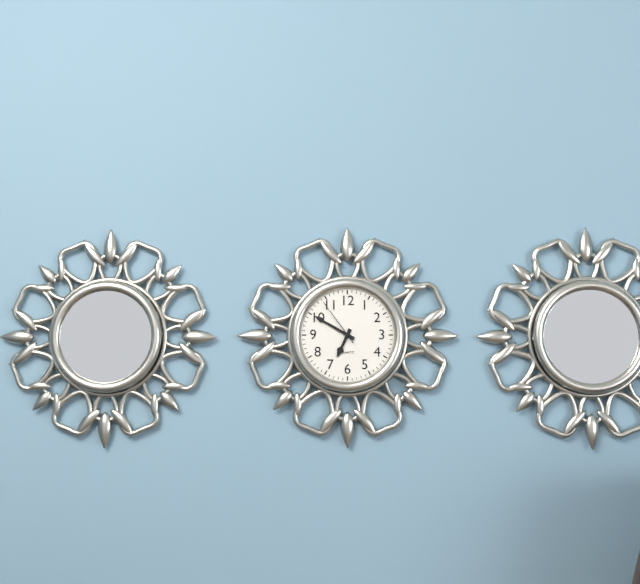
6:50:54
